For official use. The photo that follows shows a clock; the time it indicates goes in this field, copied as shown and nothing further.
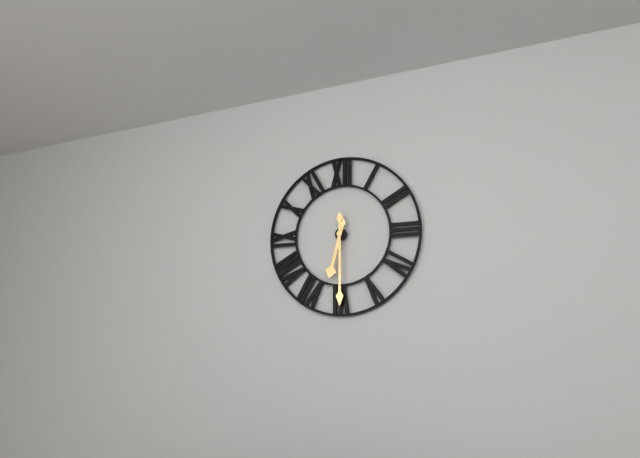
6:30
